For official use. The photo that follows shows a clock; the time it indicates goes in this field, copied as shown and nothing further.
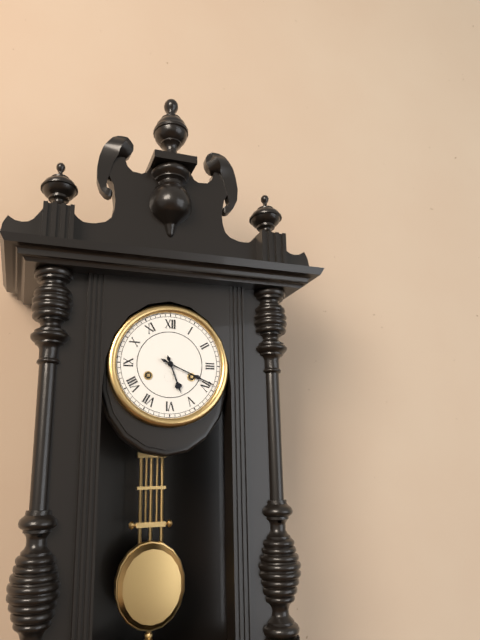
5:19
